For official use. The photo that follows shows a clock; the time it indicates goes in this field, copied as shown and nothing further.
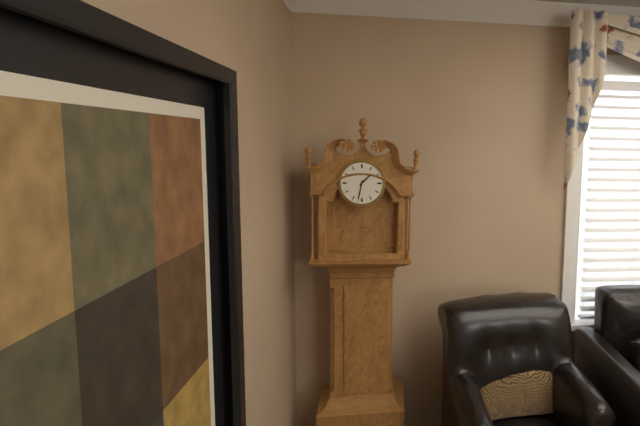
1:32
